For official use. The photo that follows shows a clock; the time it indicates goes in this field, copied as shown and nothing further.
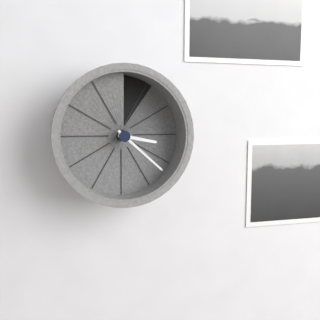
3:22
